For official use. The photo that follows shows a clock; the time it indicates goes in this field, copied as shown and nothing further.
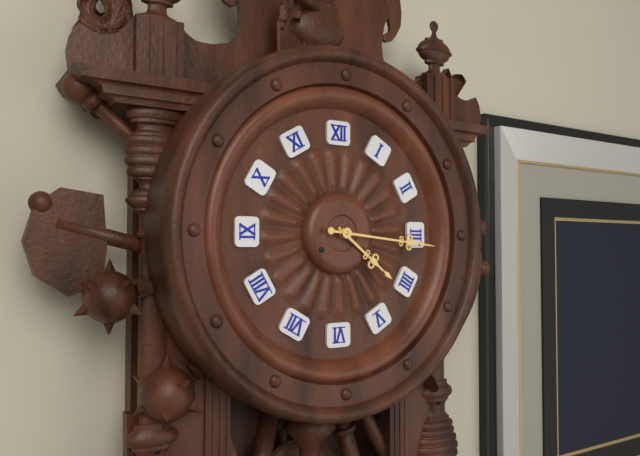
4:16
